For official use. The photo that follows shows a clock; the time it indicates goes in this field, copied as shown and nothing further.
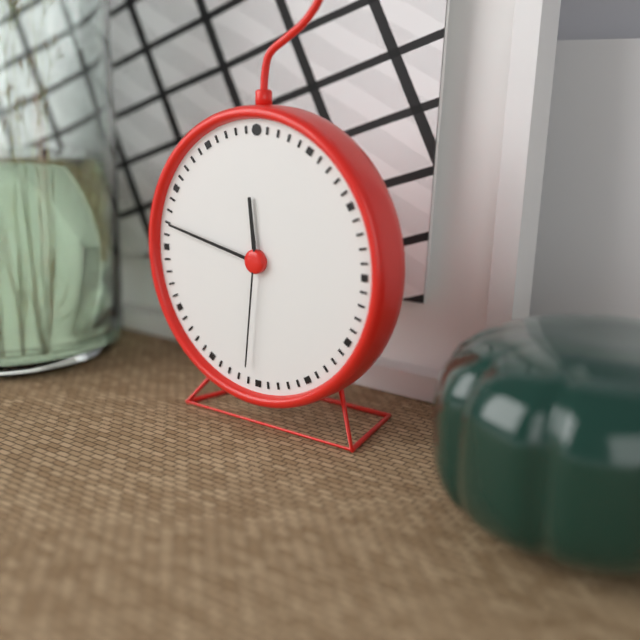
11:47:31
